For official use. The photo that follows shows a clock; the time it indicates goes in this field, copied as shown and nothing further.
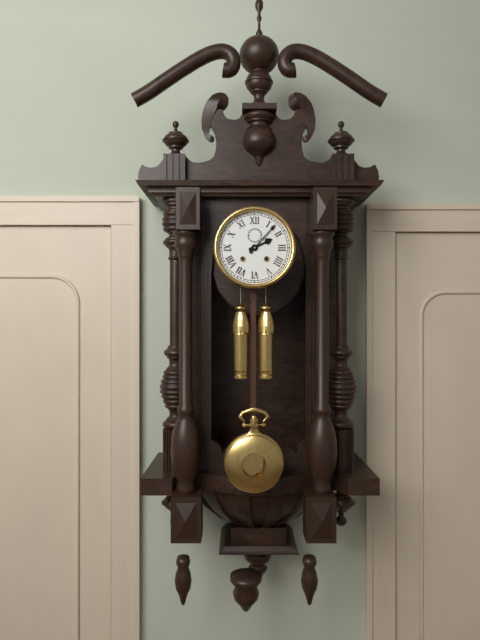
2:07
